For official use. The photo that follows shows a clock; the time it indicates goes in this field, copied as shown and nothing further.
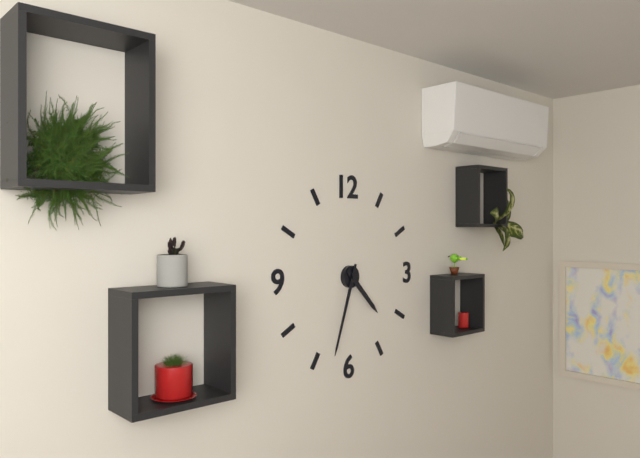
4:33
